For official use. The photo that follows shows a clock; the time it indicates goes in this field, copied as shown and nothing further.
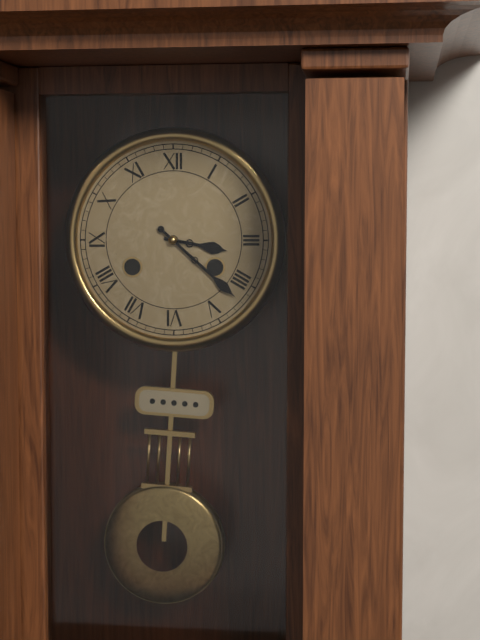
3:22
